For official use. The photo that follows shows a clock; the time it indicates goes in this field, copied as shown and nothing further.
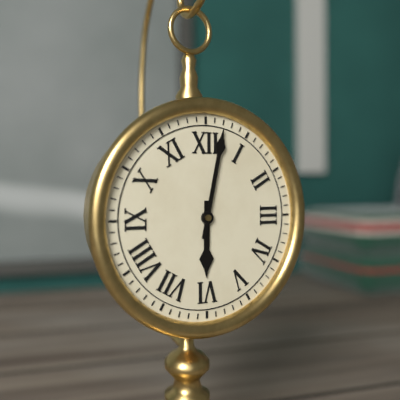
6:02
